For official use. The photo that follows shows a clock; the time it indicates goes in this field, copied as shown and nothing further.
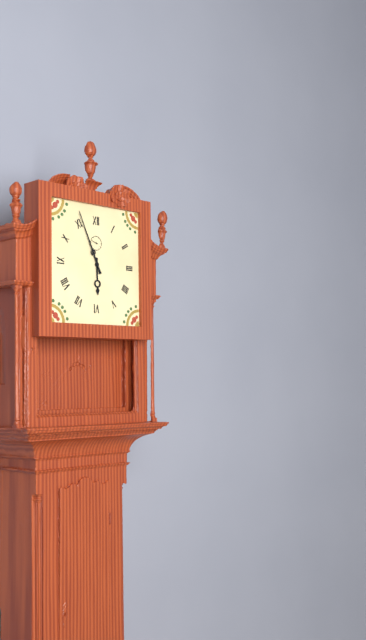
5:56
